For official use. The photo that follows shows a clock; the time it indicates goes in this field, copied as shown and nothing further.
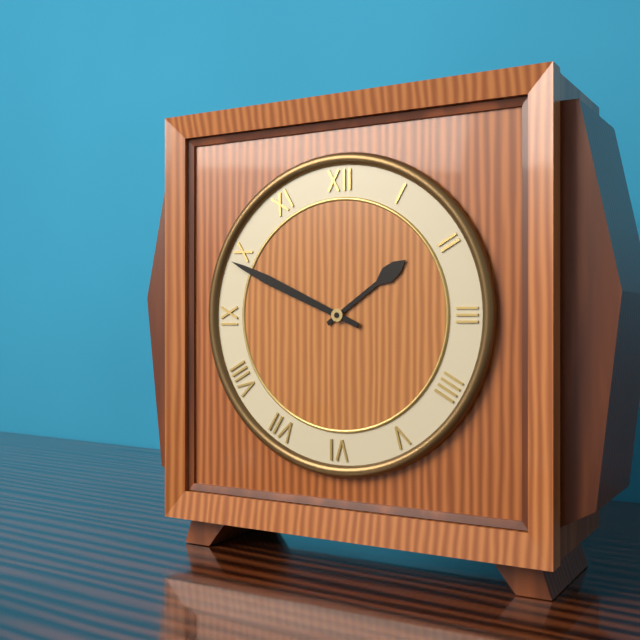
1:49
